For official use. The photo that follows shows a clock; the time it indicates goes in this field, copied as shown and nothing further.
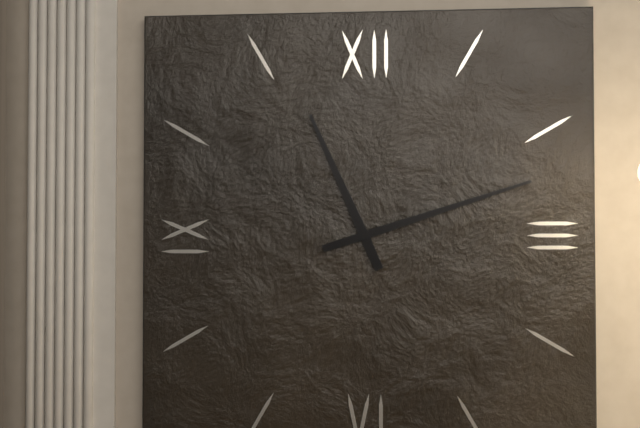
11:12
